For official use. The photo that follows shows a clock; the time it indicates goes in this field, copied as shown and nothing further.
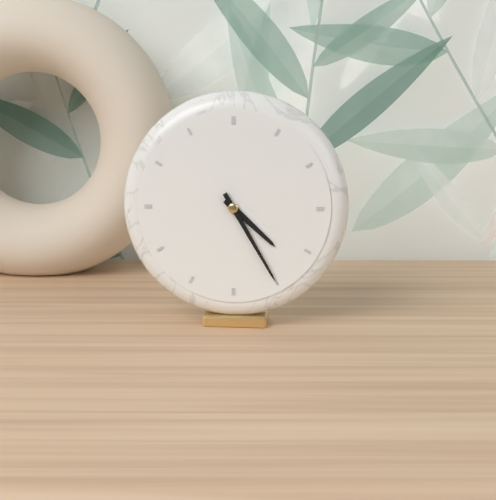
4:25
